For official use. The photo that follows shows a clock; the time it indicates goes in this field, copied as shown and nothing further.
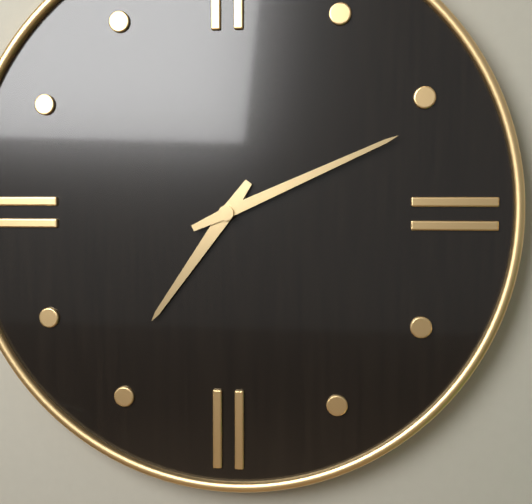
7:11
